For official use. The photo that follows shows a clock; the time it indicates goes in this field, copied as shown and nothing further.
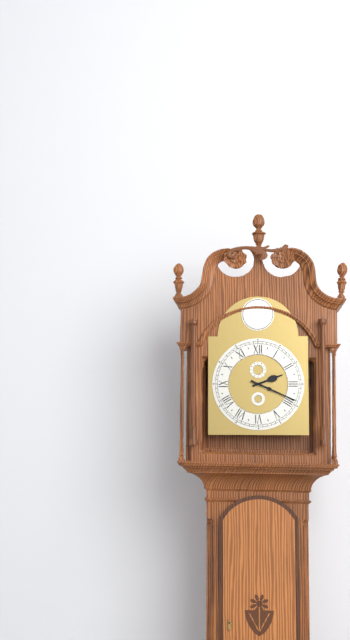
2:19
